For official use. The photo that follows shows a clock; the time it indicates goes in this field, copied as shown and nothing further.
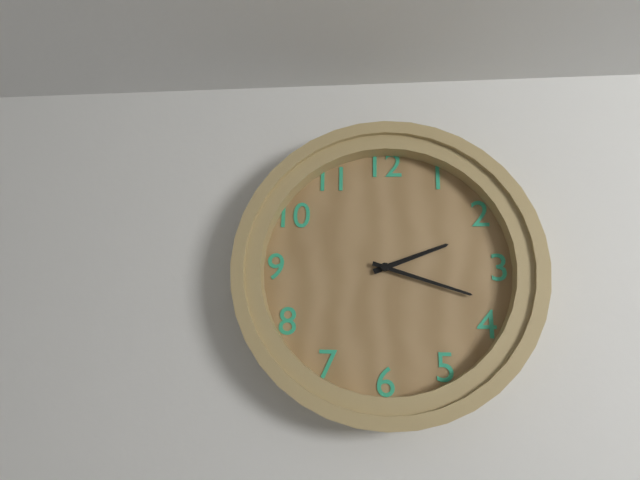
2:18
